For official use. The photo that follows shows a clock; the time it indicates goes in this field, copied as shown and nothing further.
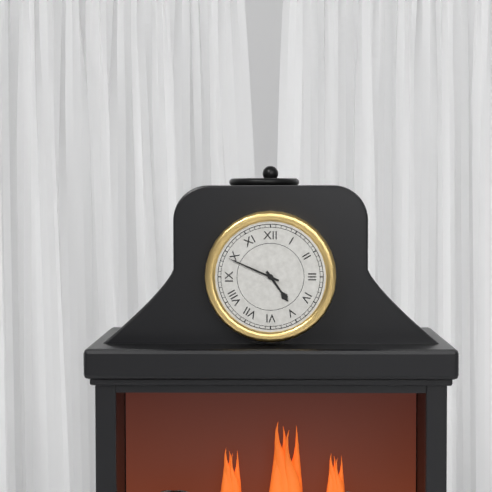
4:49
